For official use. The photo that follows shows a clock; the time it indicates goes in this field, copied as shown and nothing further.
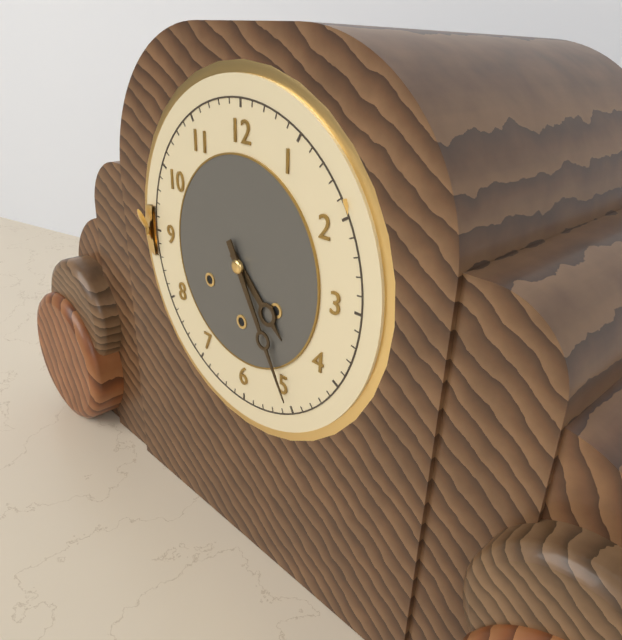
4:25
